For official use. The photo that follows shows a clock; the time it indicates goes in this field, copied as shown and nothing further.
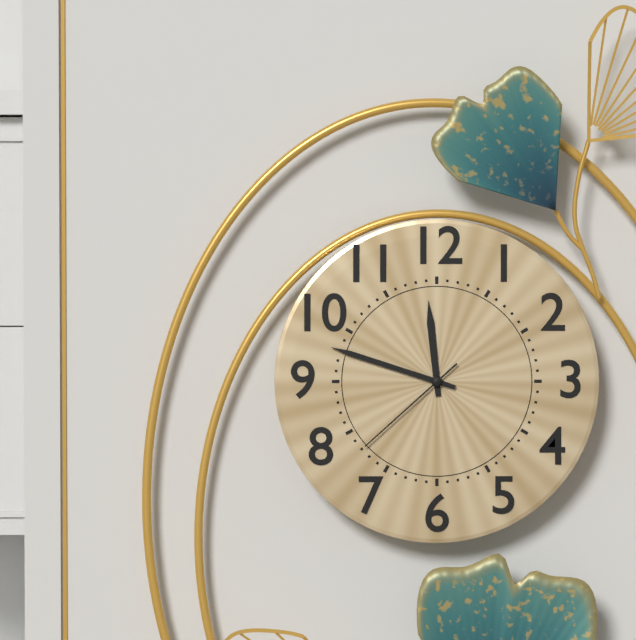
11:48:38
